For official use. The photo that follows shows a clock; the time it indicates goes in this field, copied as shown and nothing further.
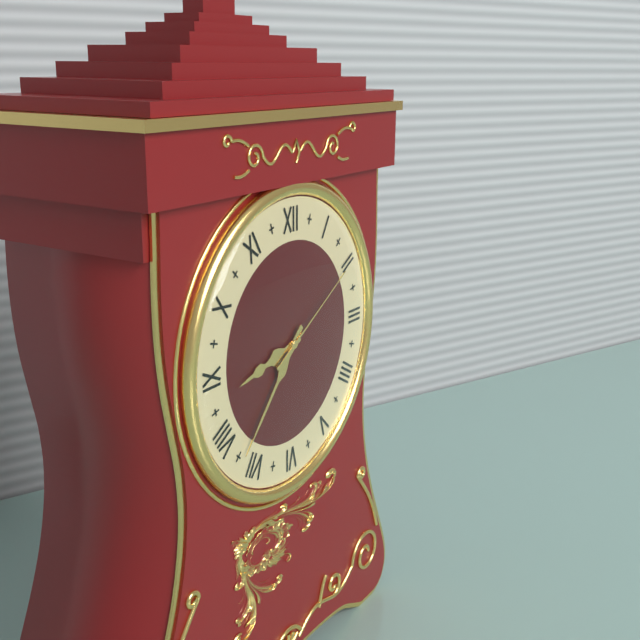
8:37:10
